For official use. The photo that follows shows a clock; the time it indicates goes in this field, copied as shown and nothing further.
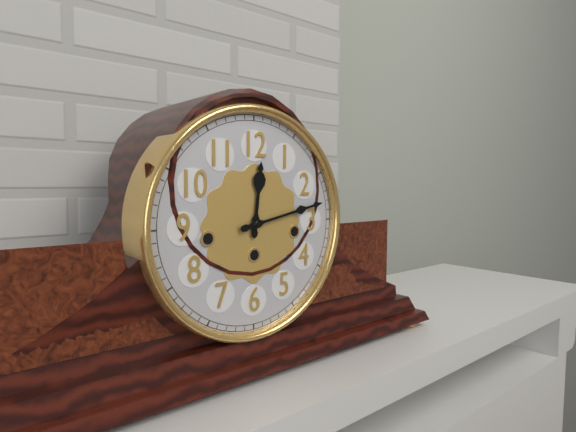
12:13
